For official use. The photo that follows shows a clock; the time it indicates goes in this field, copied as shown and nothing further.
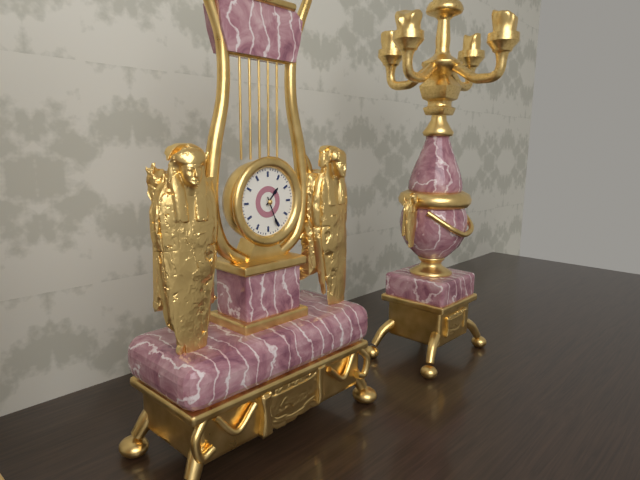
1:26
